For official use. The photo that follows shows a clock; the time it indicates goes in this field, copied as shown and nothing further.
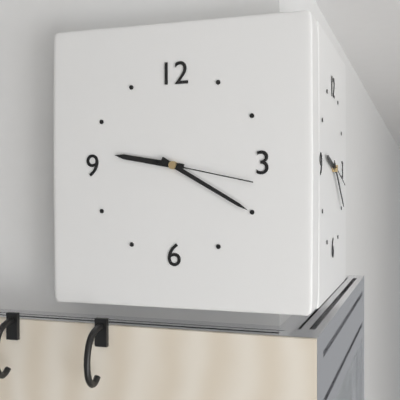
9:20:17
